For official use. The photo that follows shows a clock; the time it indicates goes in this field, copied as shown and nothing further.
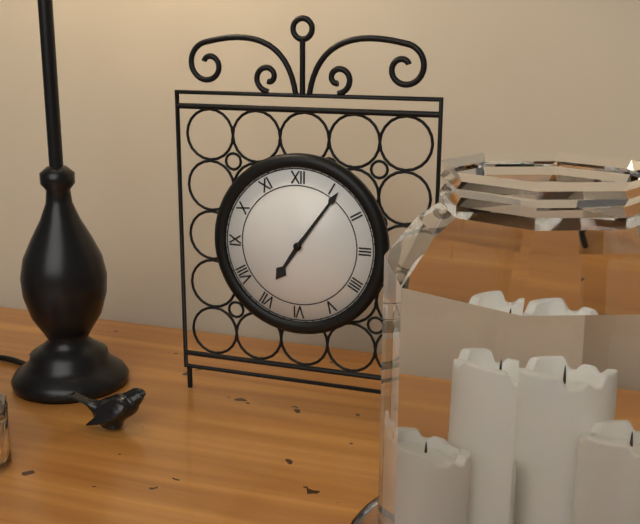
7:06
